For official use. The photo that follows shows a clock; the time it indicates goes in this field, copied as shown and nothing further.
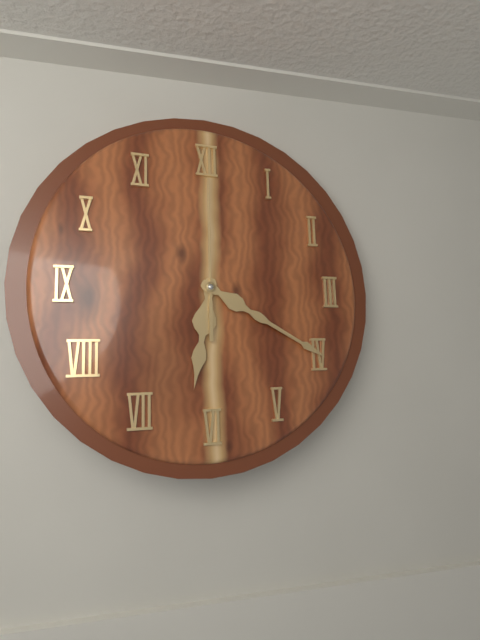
6:20:00
